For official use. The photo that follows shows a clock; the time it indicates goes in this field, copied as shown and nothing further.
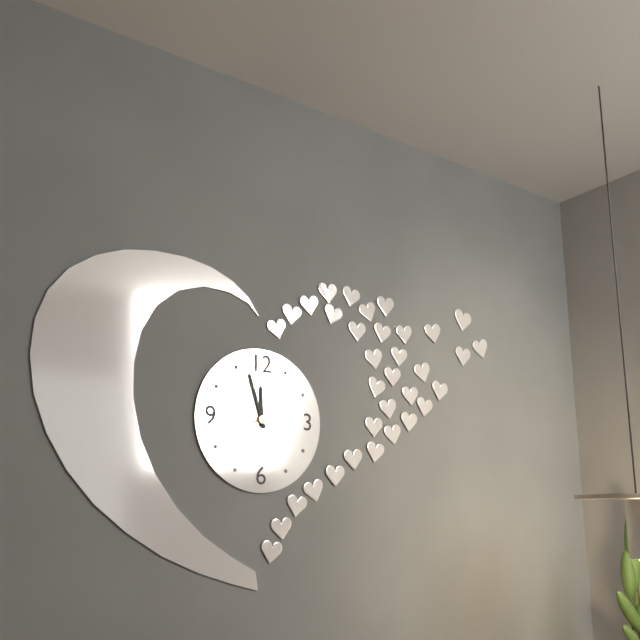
11:57:42
